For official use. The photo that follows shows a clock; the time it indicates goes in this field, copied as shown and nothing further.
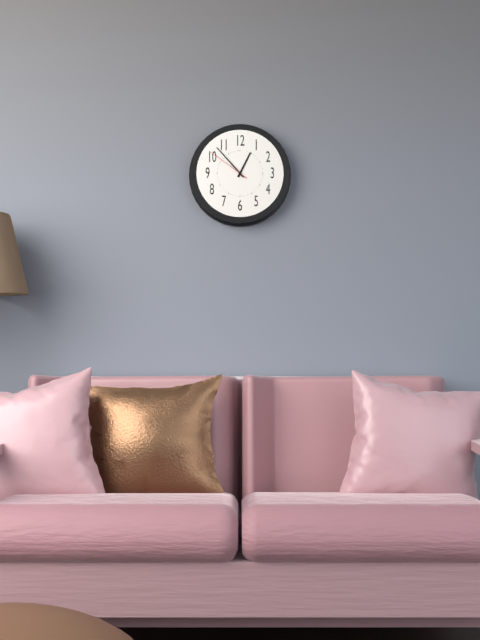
12:53
